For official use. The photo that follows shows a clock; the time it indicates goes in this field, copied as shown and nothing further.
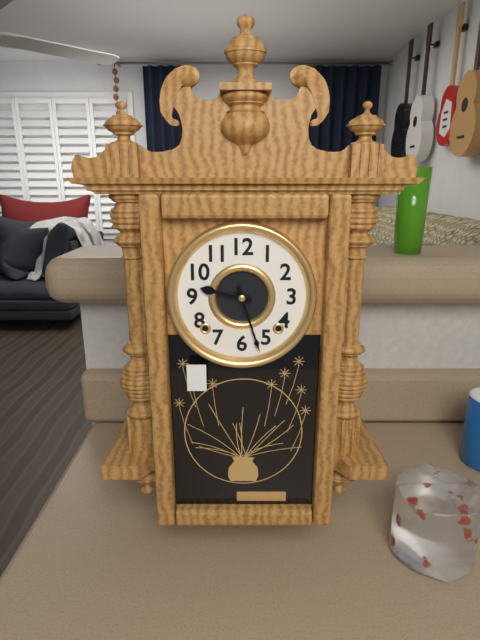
9:27
